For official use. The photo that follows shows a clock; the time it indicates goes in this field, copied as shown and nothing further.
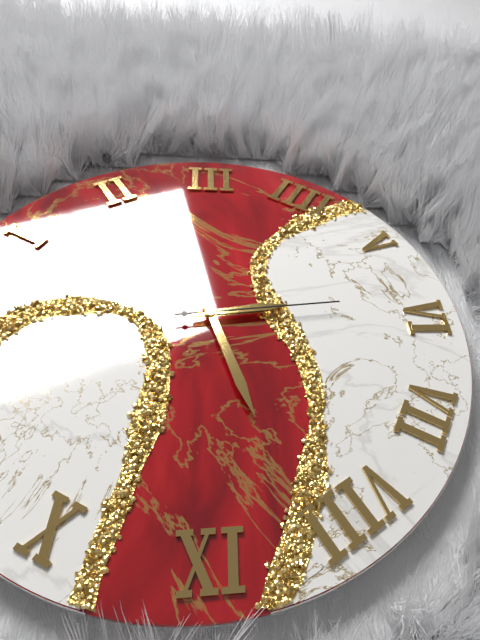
5:42:29
